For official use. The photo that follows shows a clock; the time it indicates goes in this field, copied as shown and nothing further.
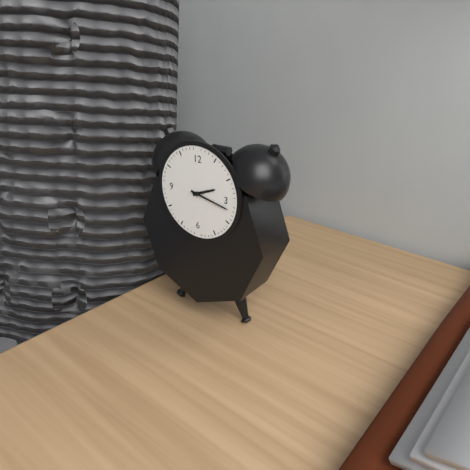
2:17
